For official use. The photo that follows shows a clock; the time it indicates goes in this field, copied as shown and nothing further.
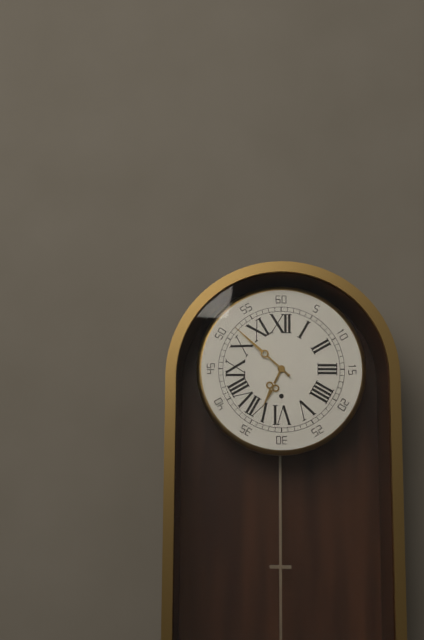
6:52
